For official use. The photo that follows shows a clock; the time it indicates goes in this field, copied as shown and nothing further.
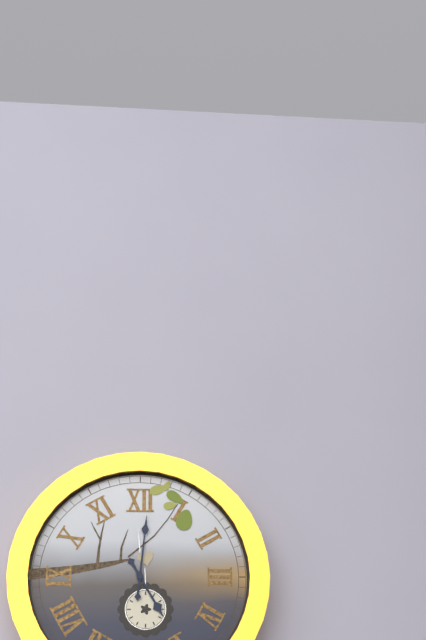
5:01
